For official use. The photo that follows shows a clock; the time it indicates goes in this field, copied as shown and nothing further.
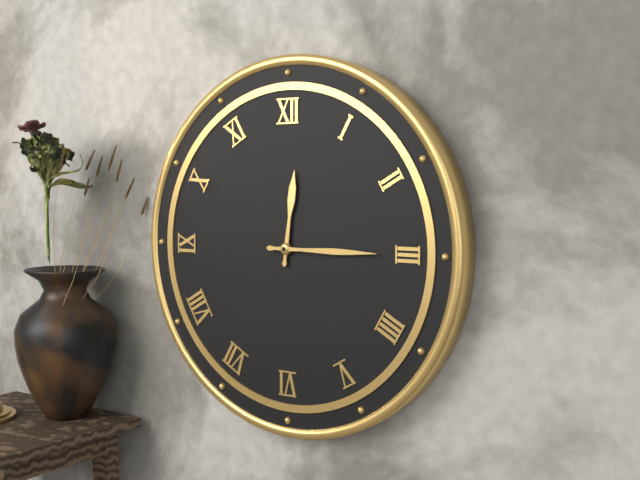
12:15
